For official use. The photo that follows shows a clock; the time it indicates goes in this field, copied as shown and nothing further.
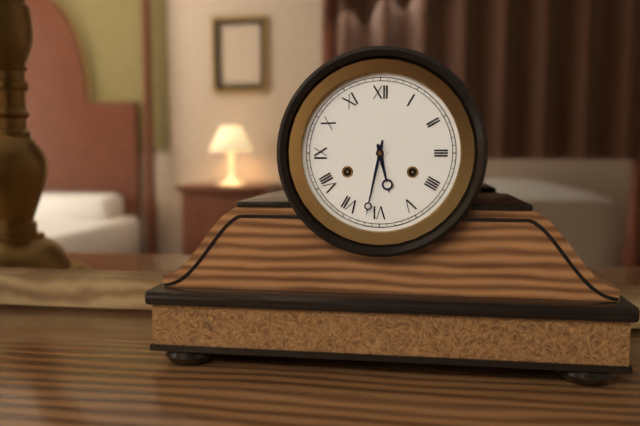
5:32
